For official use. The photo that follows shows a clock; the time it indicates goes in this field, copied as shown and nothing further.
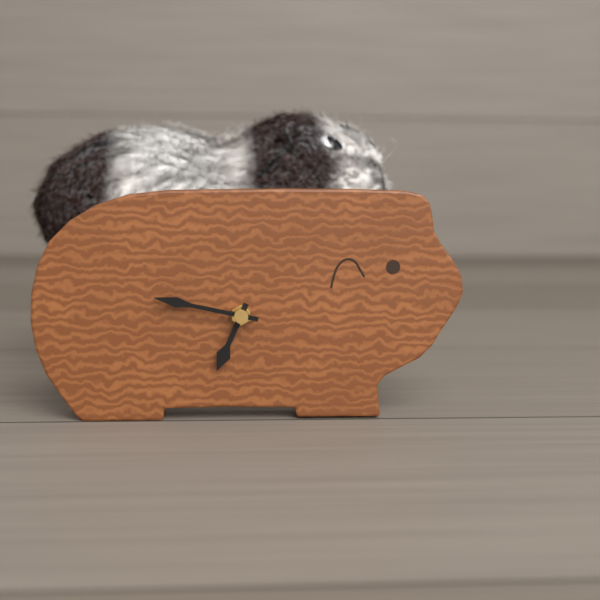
6:47
